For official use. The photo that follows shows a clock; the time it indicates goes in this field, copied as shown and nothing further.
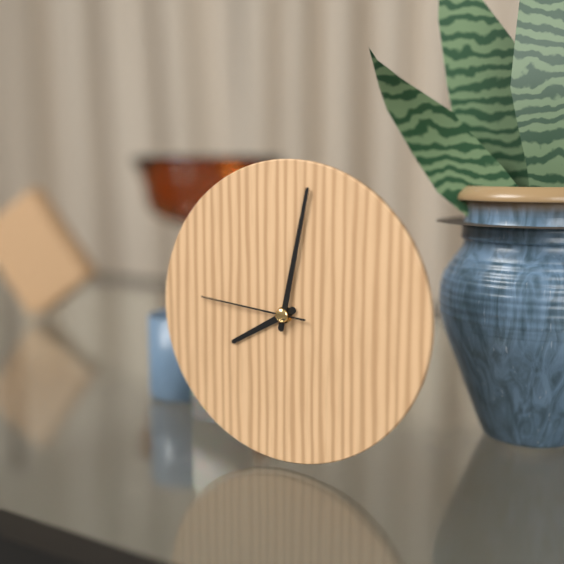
8:02:46
